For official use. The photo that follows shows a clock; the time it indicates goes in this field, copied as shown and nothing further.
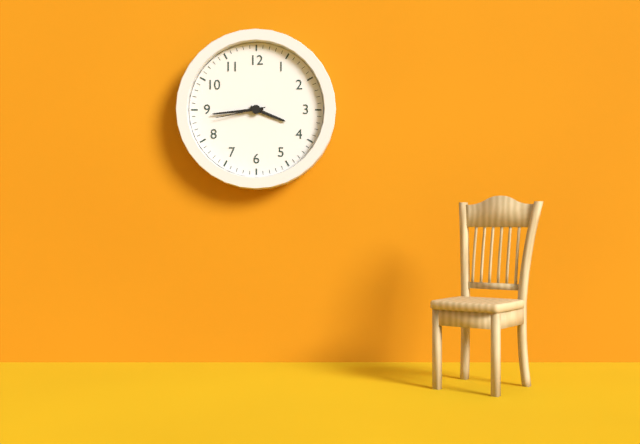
3:44:43
